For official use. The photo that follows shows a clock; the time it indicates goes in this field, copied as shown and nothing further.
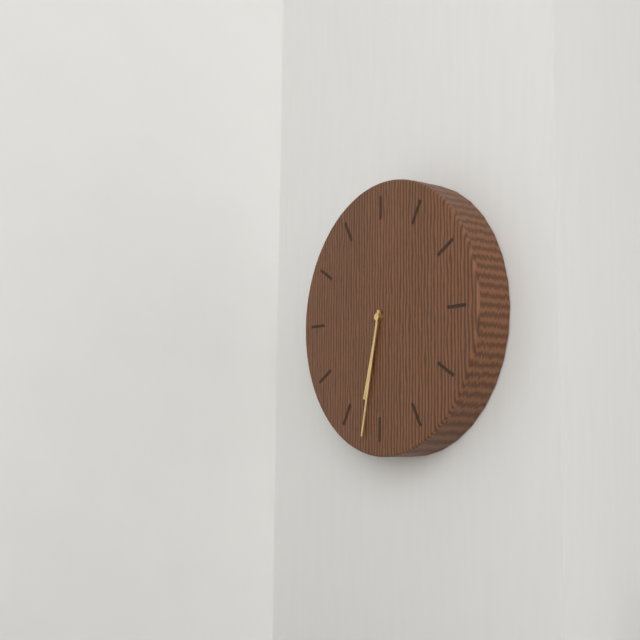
6:32
